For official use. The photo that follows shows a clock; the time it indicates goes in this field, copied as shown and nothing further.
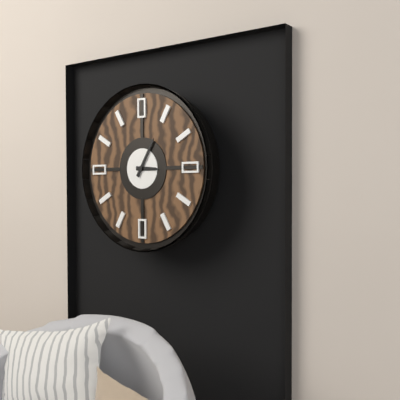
3:05
